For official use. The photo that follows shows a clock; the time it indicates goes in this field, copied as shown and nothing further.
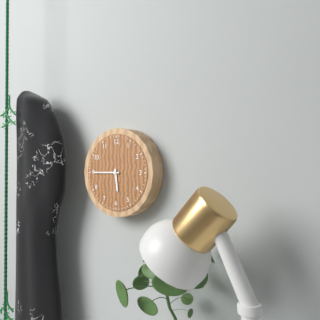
5:45
